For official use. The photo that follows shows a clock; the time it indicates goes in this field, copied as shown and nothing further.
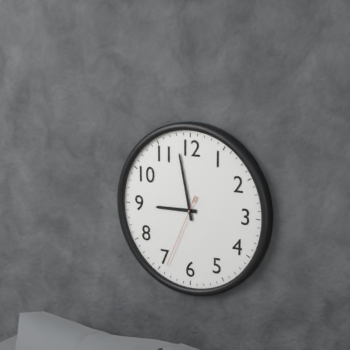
8:58:34
